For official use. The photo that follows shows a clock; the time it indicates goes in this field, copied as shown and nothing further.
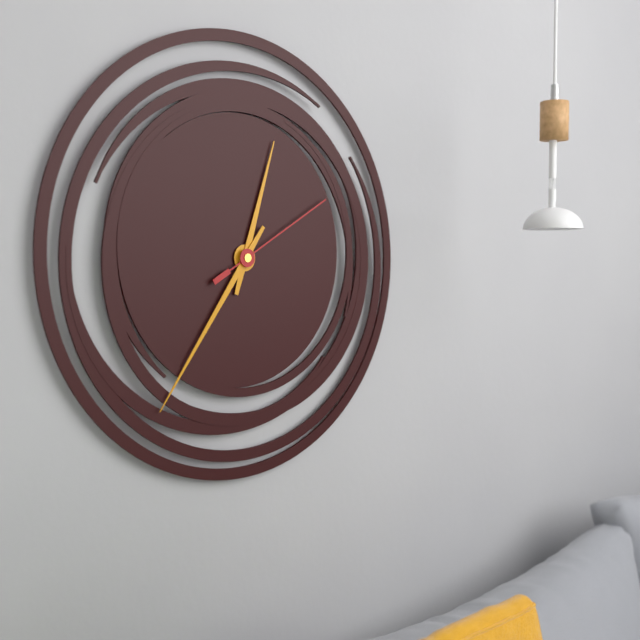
12:36:10
